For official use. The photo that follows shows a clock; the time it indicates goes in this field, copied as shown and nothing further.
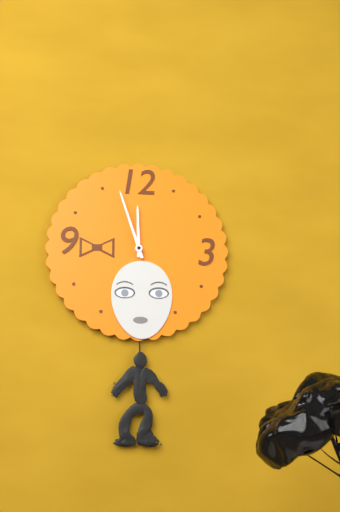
11:57
